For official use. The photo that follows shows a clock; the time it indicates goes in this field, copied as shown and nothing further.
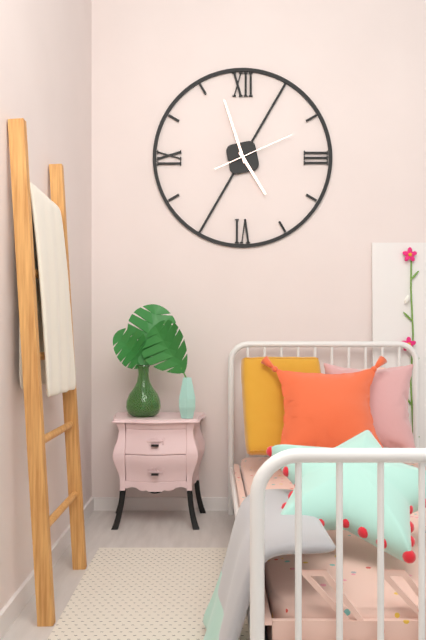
4:57:11
